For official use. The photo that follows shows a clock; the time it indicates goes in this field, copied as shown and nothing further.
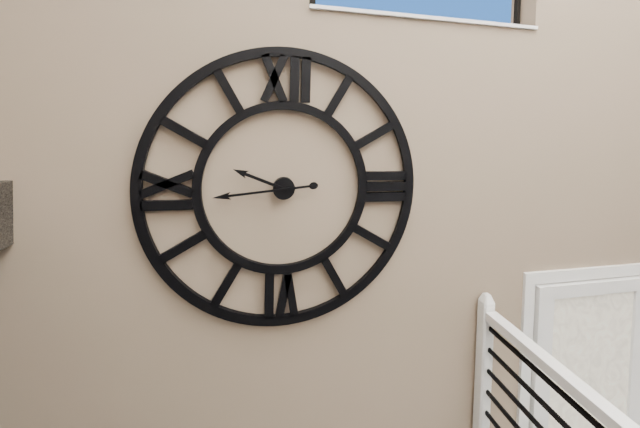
9:44
